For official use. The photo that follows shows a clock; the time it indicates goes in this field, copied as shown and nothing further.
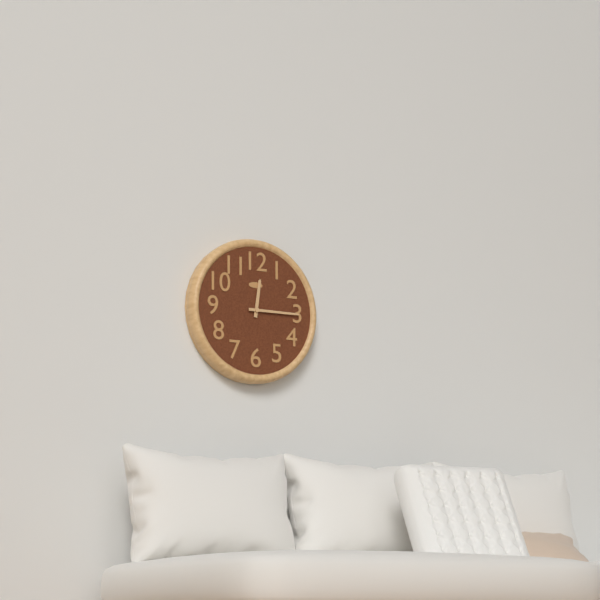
12:15
